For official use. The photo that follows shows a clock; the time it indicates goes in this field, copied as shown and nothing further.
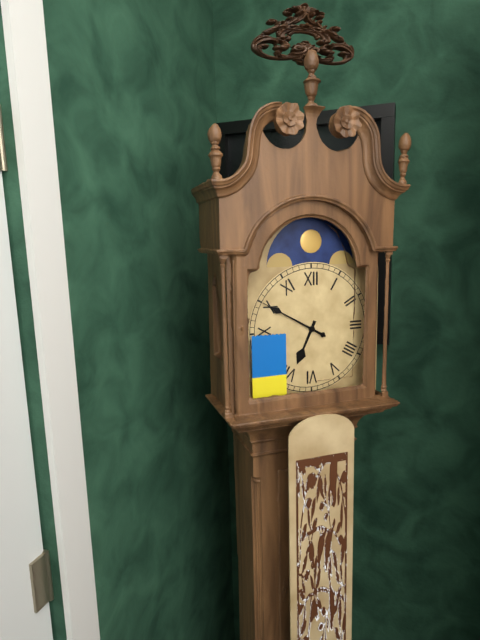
6:50
